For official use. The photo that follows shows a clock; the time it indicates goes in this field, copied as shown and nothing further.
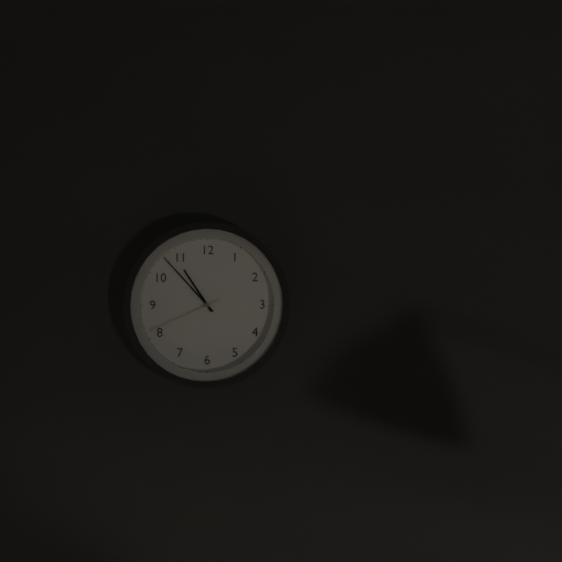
10:53:41
